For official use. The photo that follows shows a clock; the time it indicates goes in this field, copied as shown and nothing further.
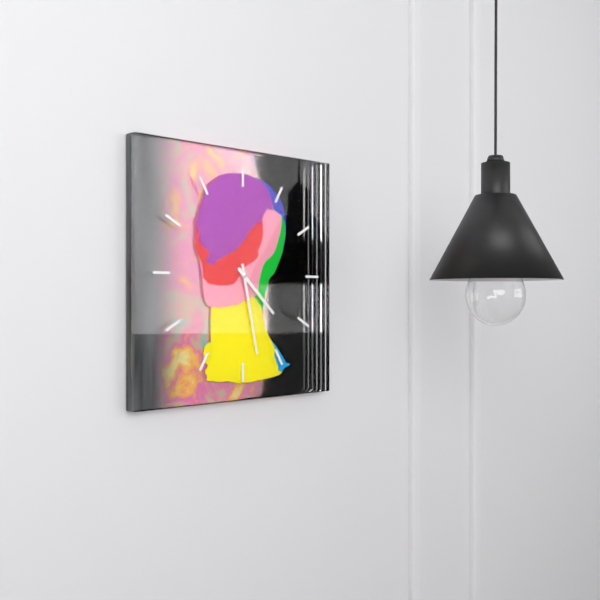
4:28
